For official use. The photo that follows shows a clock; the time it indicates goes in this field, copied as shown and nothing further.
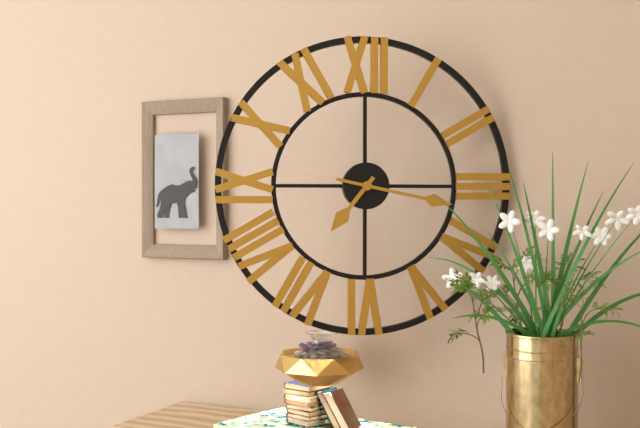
7:17
